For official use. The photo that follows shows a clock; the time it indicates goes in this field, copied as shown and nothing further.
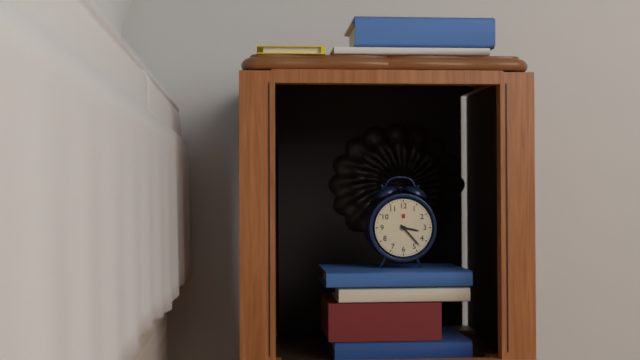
3:23
